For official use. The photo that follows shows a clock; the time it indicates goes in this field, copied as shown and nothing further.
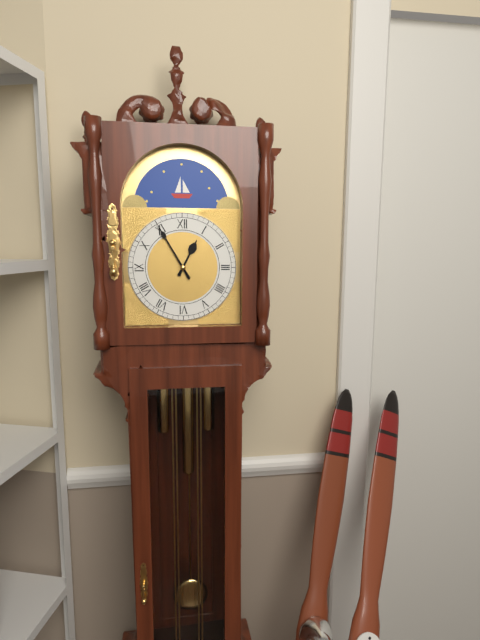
12:55
